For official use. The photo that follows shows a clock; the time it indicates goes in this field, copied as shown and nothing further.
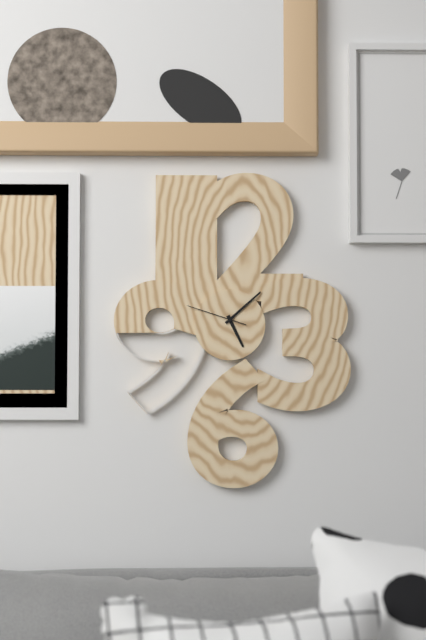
5:08:48
